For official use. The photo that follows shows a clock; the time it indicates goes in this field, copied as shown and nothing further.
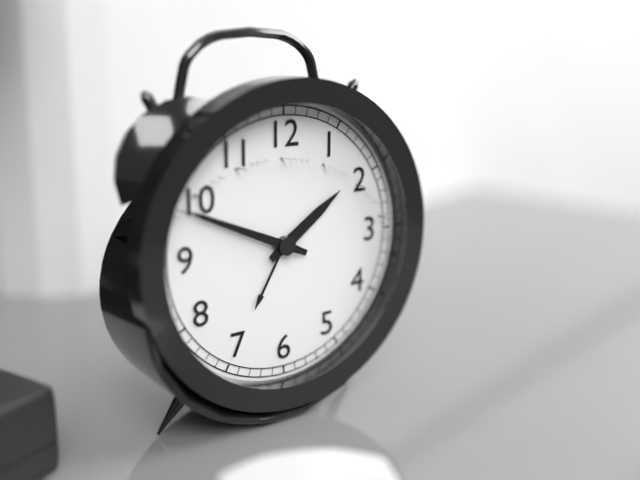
1:49
